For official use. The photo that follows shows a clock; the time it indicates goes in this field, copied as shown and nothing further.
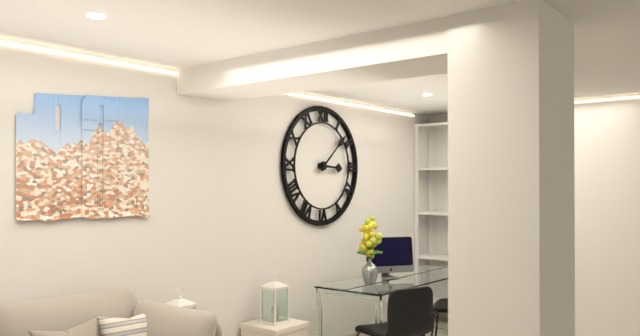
3:08
